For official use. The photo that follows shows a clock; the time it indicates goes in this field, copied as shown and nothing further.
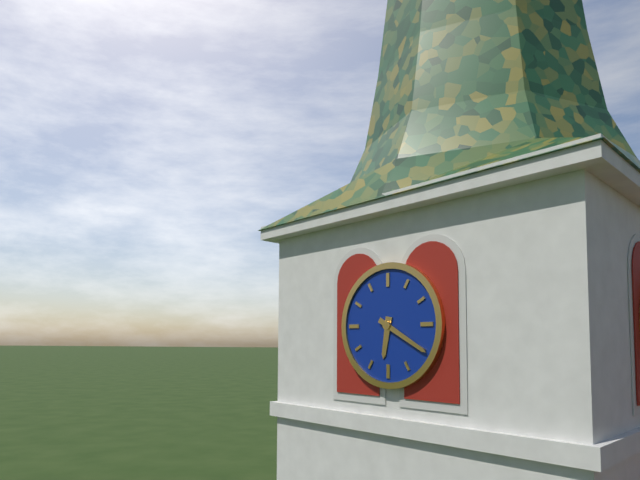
6:20
